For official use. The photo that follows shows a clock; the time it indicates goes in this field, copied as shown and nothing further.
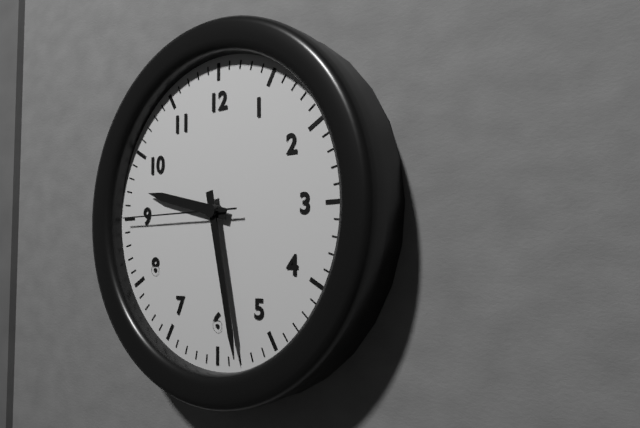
9:28:45
